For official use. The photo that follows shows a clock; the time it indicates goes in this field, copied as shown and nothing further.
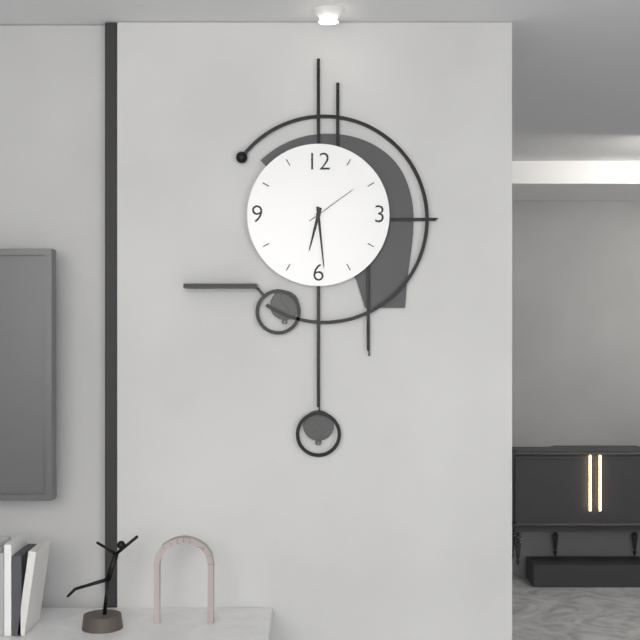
6:29:09
